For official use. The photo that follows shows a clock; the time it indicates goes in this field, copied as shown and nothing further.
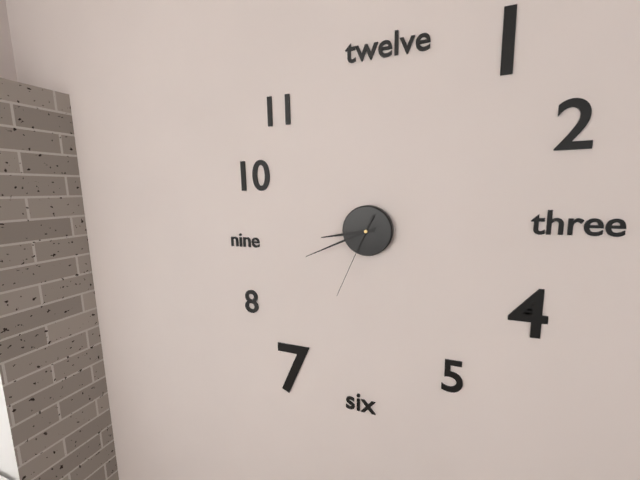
8:41:34
